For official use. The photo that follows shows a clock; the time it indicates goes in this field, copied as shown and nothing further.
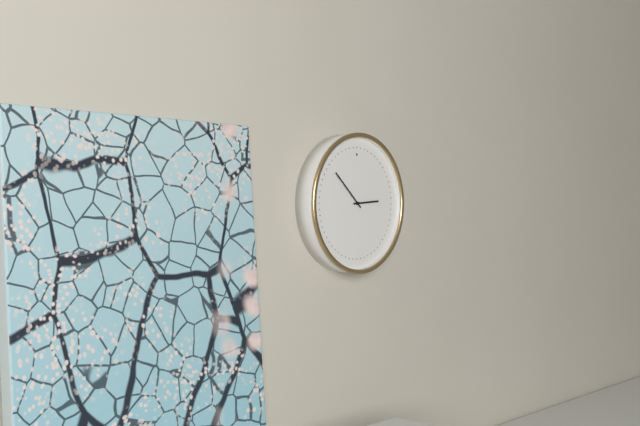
2:52
